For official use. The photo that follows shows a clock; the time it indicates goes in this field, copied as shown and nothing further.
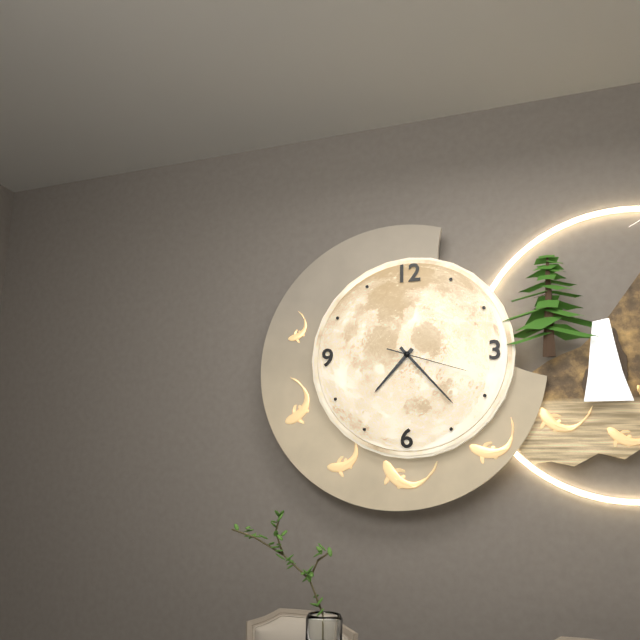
7:23:18
